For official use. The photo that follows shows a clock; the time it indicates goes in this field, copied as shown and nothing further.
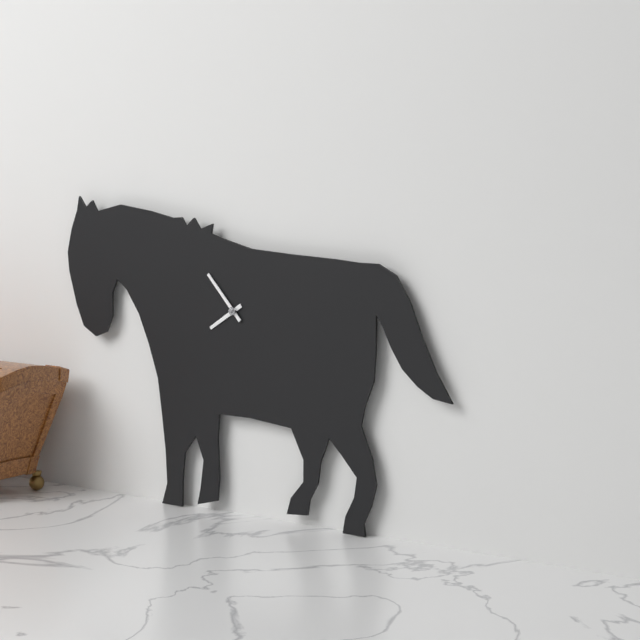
7:53
